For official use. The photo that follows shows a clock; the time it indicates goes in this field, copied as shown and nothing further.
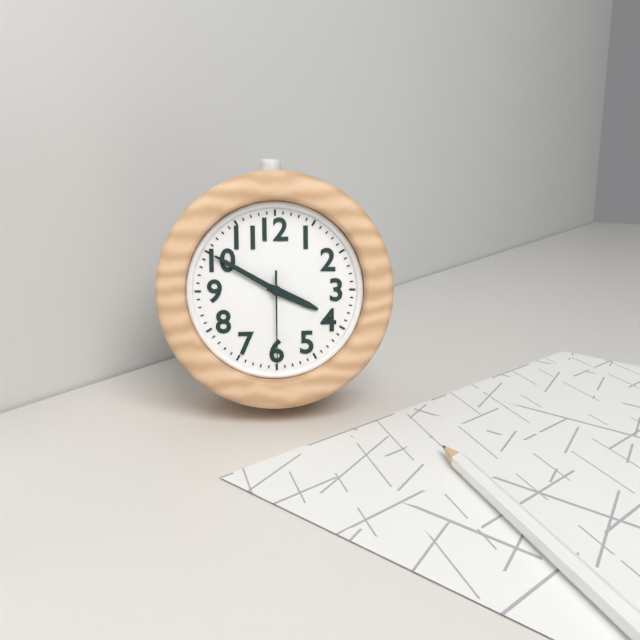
3:50:30
